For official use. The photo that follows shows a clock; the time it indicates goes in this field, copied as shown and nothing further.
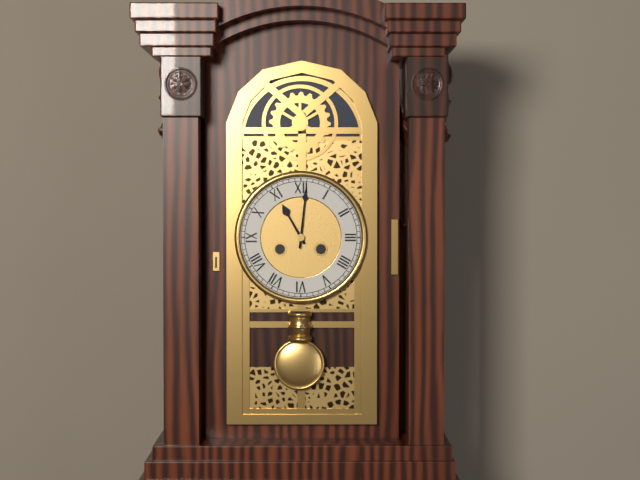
11:01
